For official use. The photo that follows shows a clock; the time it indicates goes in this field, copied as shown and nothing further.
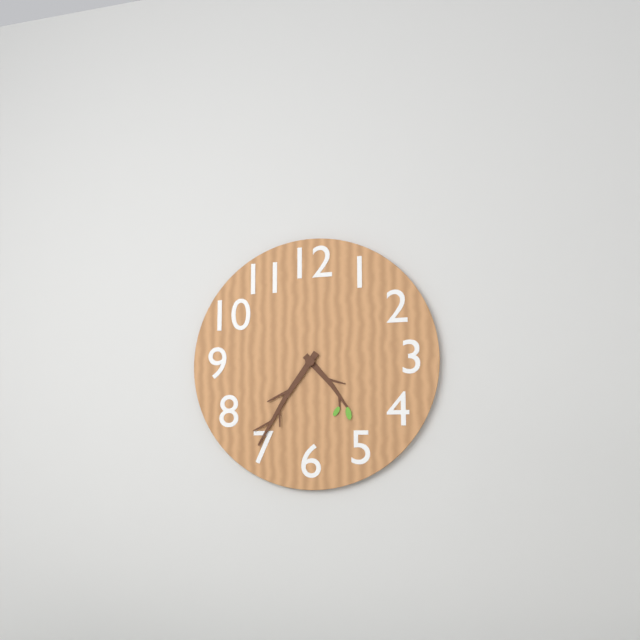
4:36
